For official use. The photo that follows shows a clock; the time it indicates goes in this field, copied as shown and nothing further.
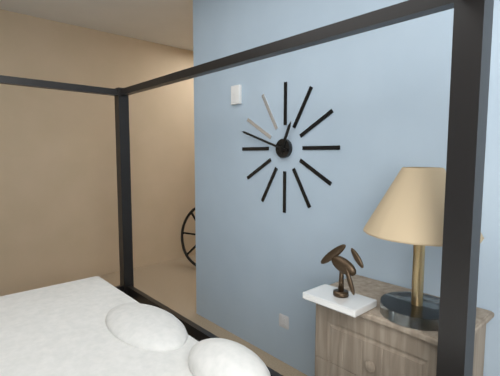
12:48
